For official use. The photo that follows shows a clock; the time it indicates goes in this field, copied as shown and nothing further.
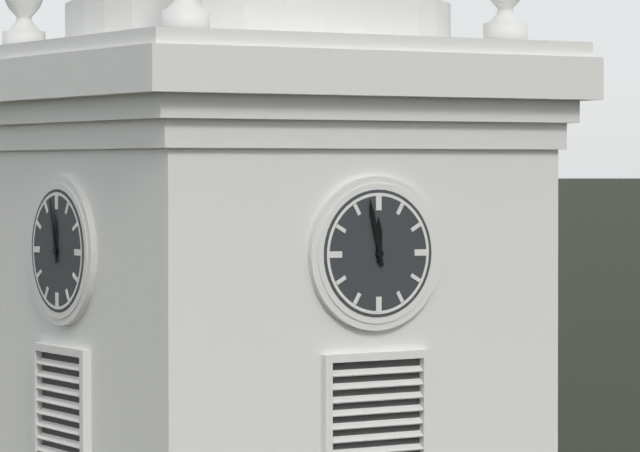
11:58
